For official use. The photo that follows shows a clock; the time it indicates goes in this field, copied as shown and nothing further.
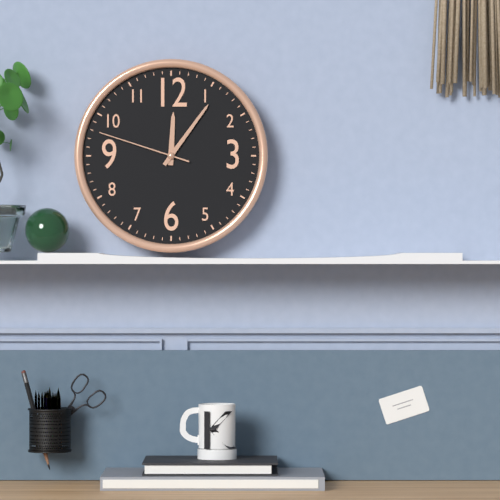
12:06:48
